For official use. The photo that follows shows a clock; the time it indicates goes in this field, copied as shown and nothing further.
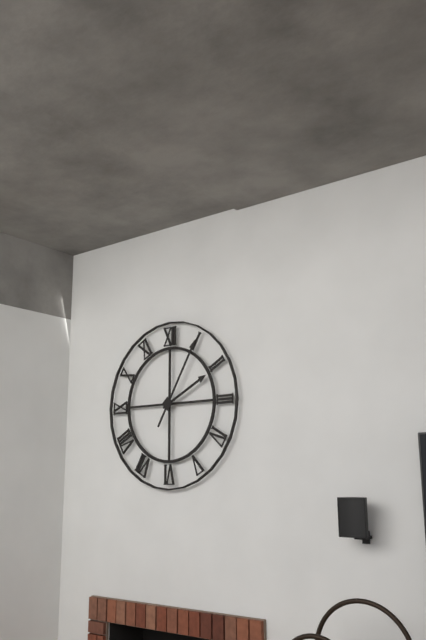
2:05
